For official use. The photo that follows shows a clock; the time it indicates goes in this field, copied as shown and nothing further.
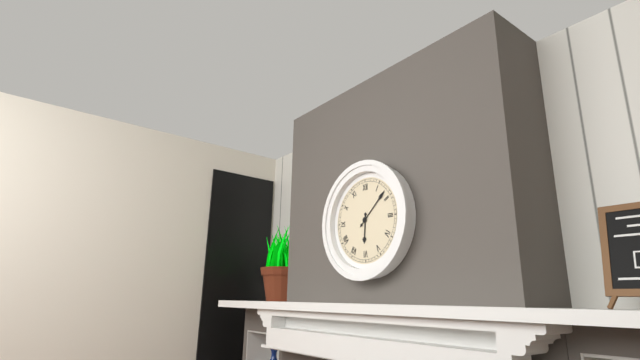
6:08
